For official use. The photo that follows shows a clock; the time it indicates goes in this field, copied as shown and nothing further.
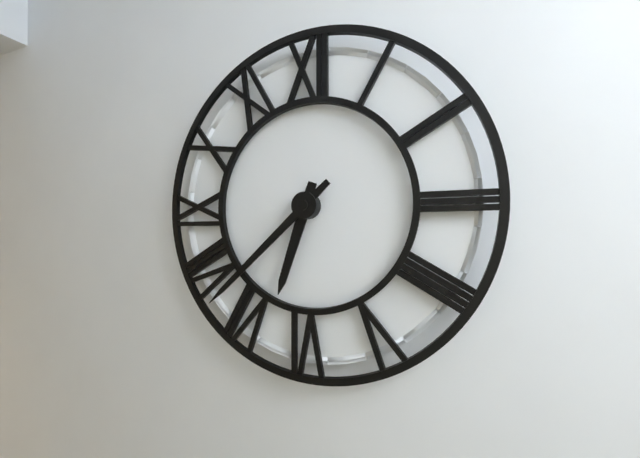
6:38
